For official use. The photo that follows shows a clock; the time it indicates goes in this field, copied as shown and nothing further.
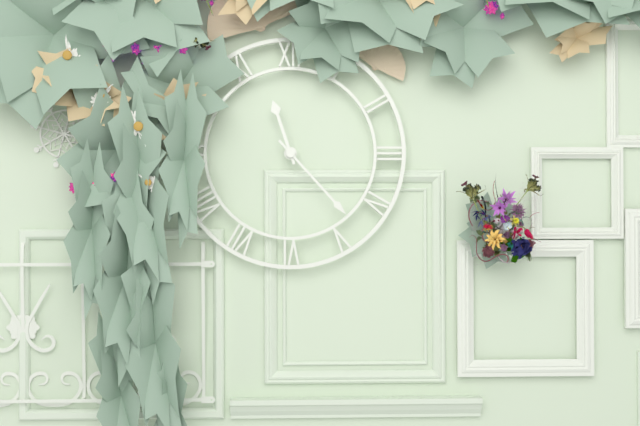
11:23
